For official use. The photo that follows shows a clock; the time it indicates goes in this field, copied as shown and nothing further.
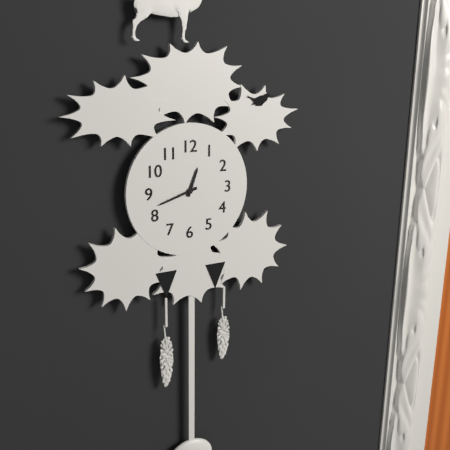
12:42
